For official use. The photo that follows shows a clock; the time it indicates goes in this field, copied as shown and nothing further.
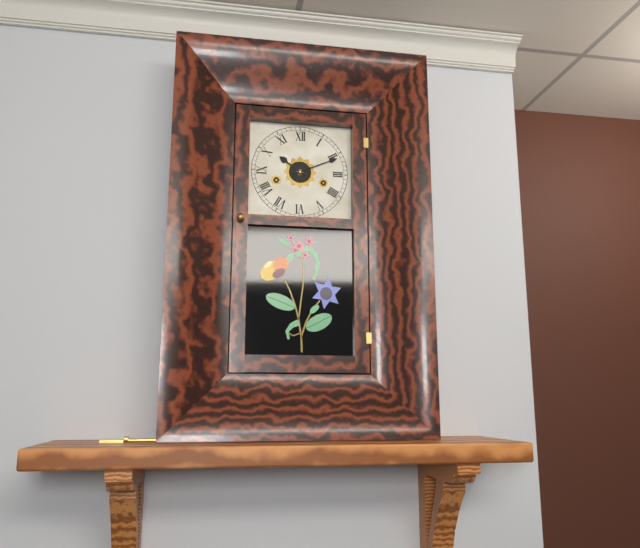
10:11
